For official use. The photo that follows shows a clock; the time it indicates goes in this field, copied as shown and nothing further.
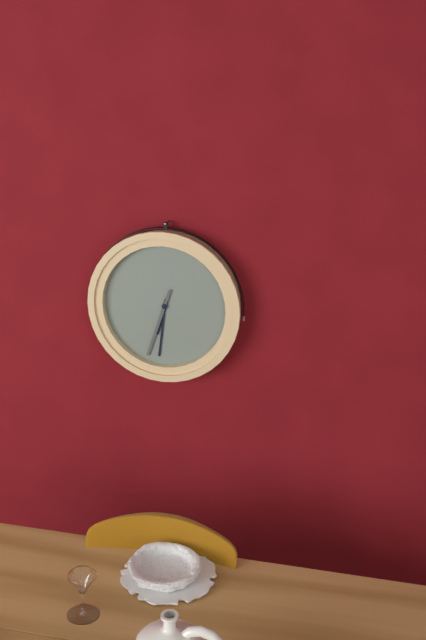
6:31:33
